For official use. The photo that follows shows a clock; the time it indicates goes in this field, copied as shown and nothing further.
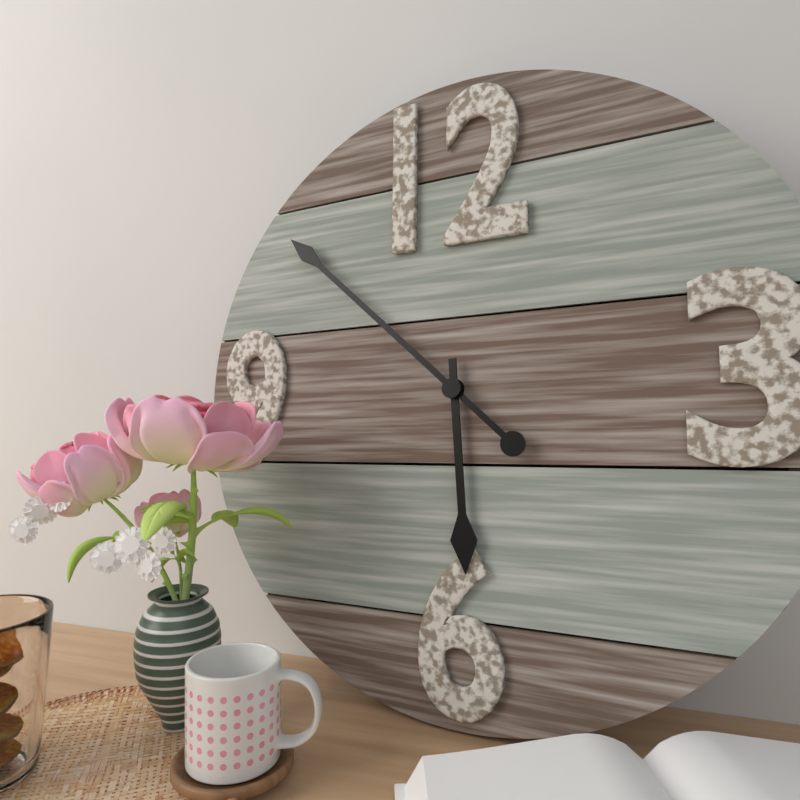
5:52
